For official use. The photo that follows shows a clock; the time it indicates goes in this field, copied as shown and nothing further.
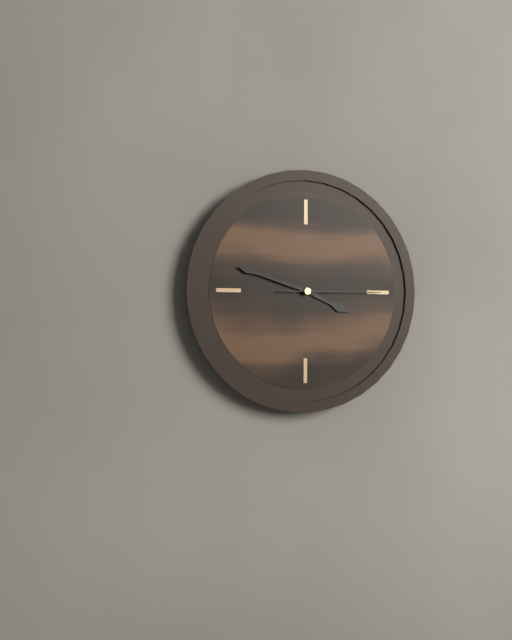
3:48:15
